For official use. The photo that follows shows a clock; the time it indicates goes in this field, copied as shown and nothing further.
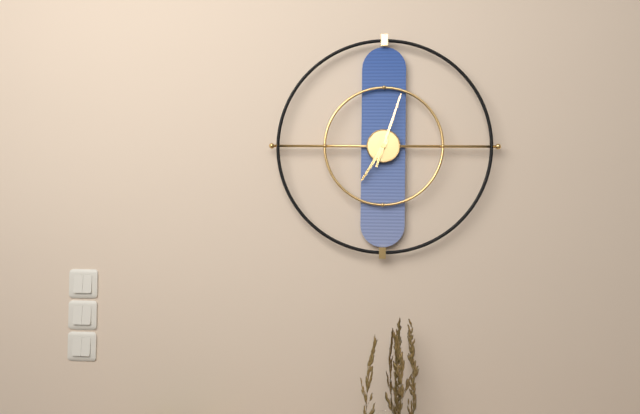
7:03
